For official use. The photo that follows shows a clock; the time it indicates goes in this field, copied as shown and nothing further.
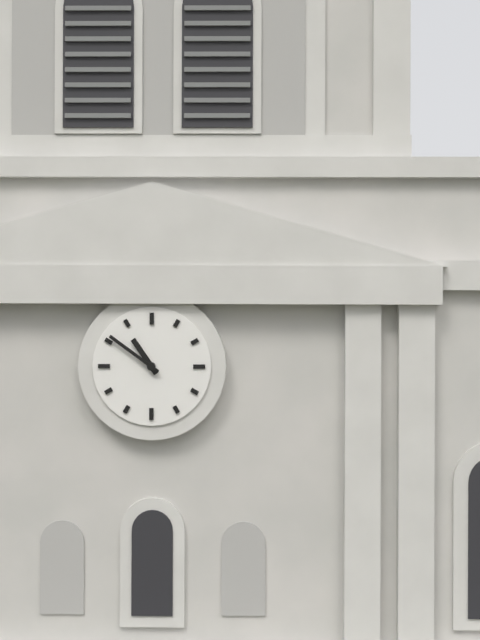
10:51
